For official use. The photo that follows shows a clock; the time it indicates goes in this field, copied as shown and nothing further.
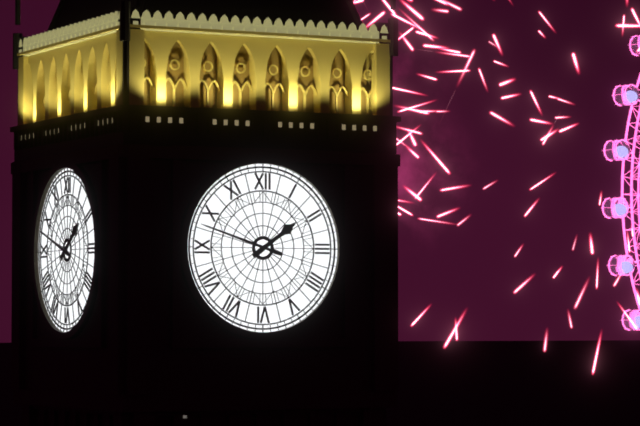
1:48
